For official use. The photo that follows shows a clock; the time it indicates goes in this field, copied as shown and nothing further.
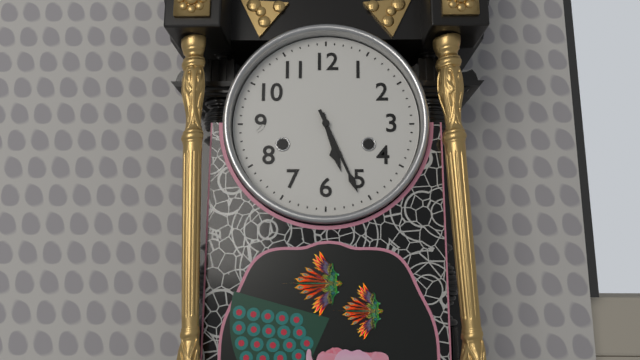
5:26
